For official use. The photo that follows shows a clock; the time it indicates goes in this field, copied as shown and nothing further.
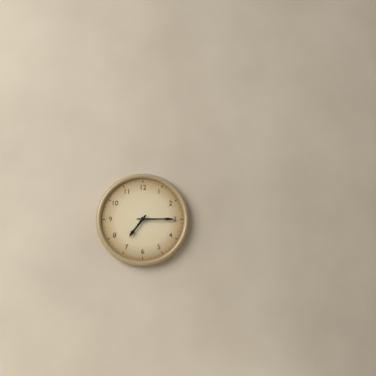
7:15
